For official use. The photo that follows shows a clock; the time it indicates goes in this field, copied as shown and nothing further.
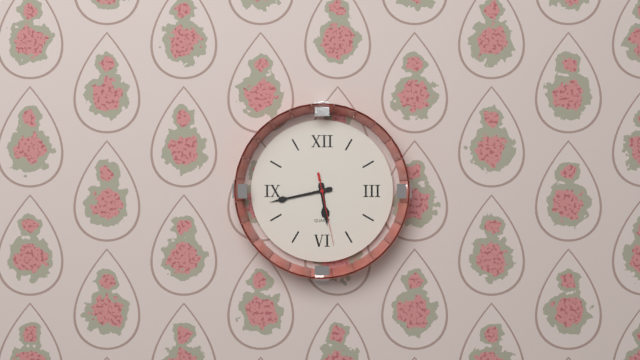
5:43:28
